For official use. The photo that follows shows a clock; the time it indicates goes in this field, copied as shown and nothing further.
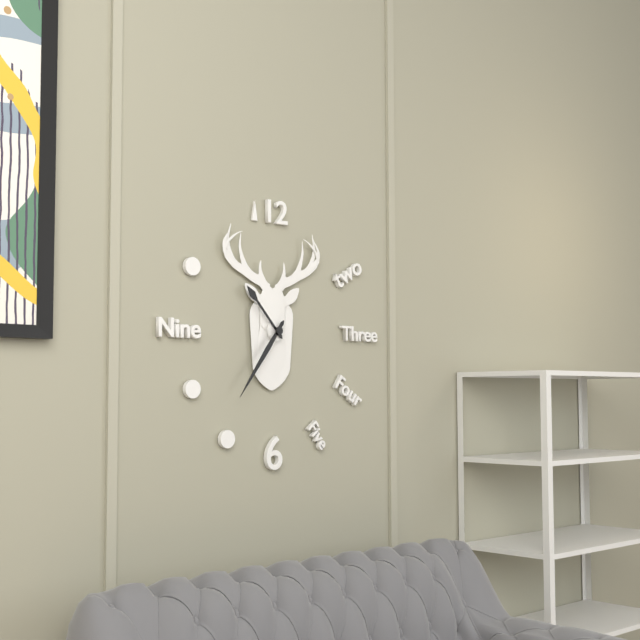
10:36
